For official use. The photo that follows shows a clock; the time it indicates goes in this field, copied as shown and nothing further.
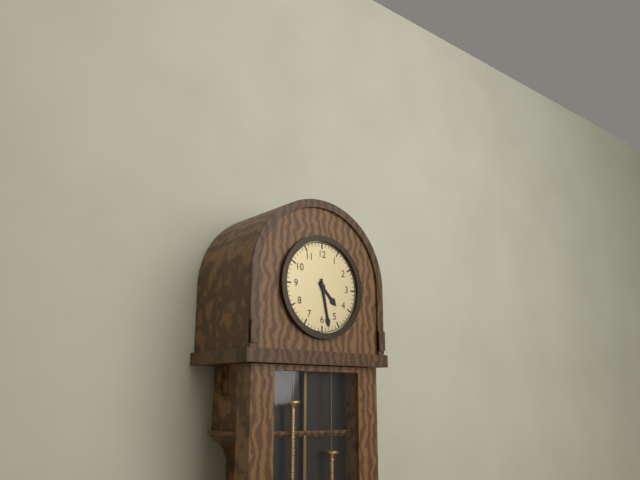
4:28
